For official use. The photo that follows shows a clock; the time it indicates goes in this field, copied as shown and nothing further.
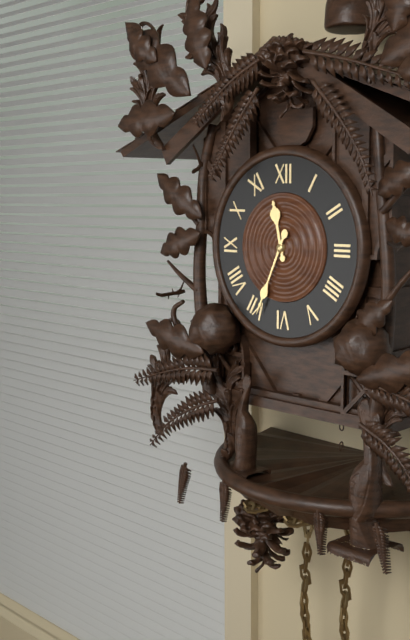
11:34
